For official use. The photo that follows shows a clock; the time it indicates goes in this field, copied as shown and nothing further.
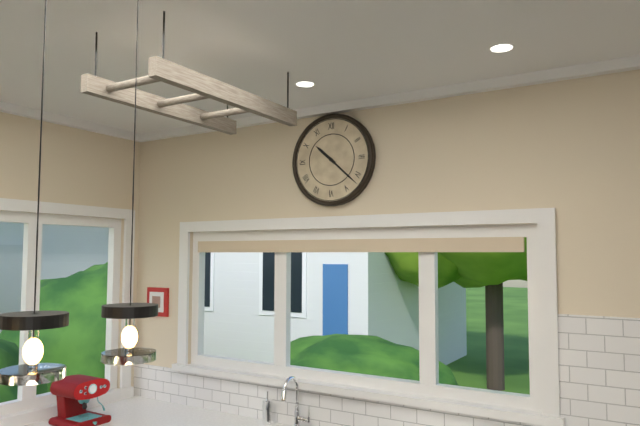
10:22
